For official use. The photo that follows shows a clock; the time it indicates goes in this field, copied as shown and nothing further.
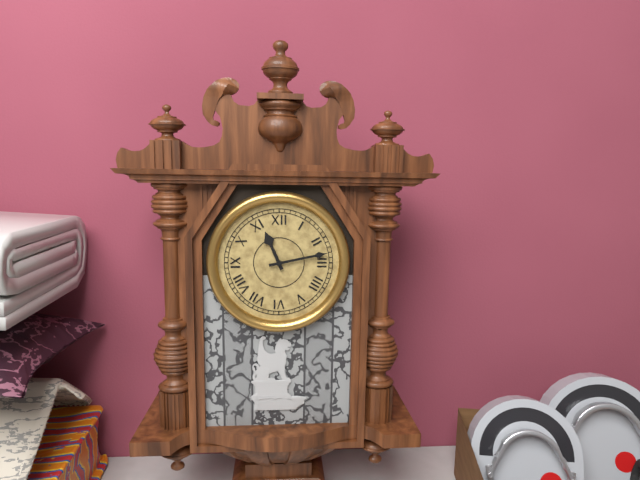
11:13
